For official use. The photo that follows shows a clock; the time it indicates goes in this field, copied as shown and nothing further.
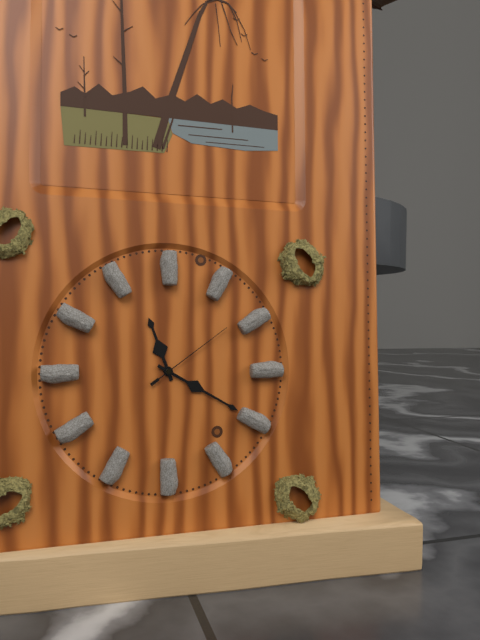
11:20:09
